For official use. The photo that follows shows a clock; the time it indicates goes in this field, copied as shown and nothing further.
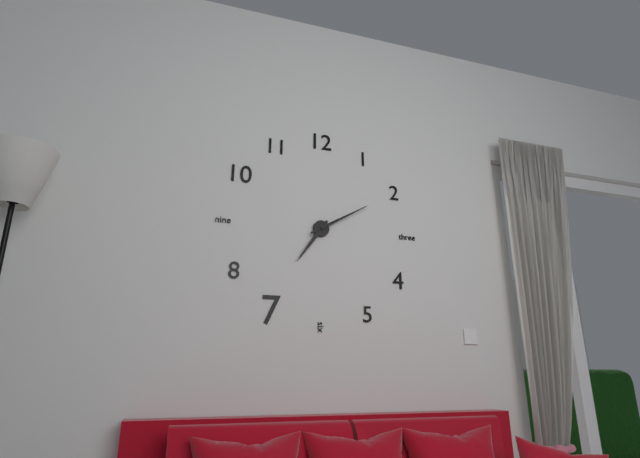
7:10
